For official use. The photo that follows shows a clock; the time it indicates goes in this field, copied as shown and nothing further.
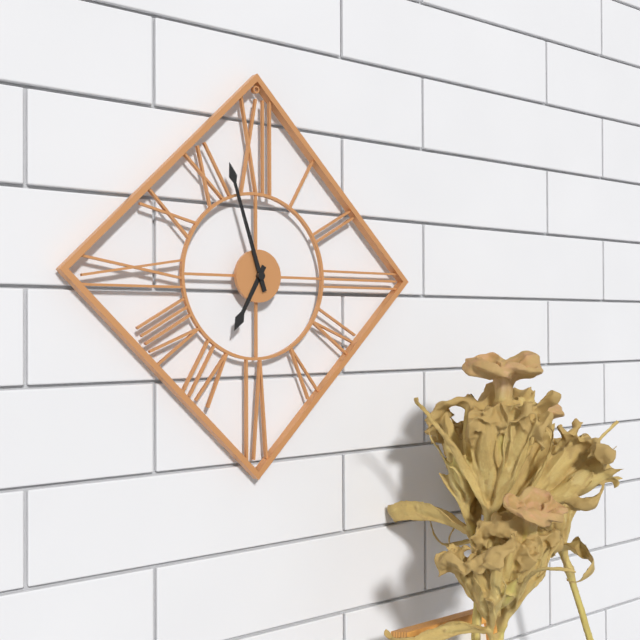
6:57
